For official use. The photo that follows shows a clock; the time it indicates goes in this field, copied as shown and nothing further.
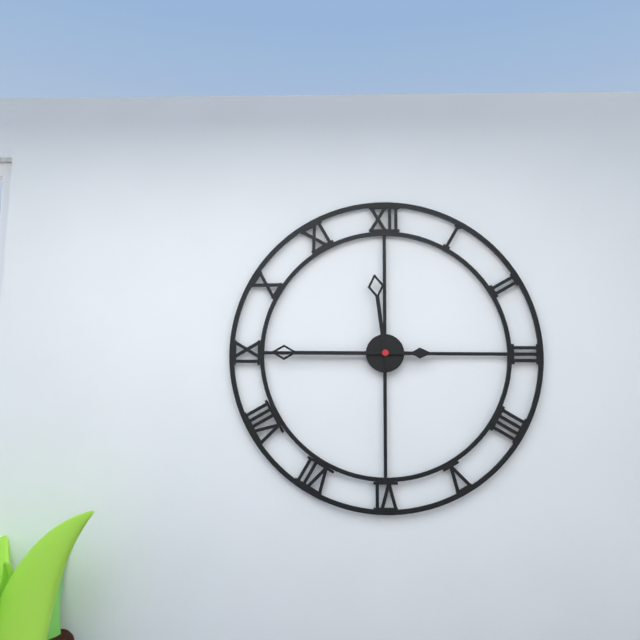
11:45
